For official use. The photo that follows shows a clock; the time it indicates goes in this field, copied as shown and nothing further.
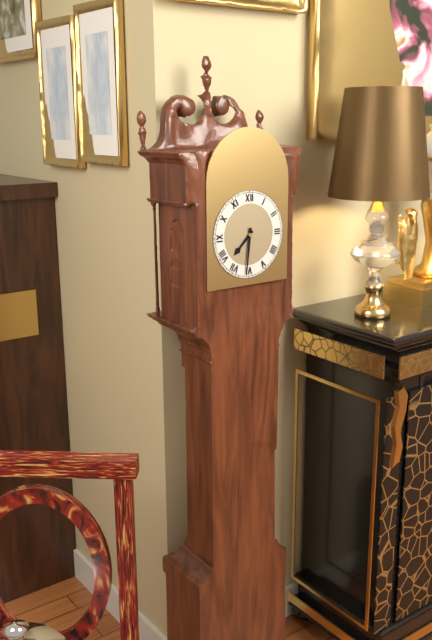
7:31
